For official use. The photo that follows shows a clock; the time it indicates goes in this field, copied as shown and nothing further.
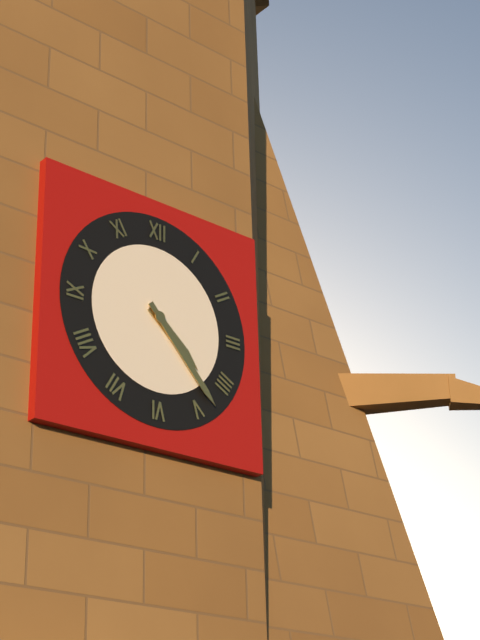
4:23
